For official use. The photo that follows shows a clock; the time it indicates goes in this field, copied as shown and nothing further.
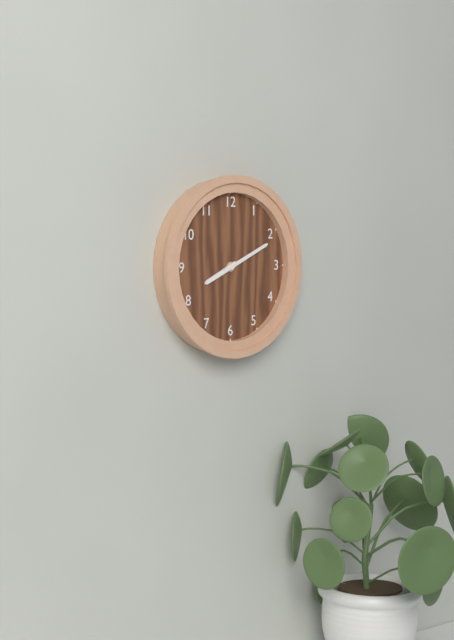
8:11
